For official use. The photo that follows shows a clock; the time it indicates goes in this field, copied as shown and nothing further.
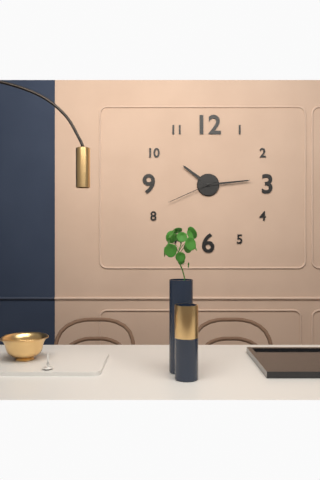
10:14:41
